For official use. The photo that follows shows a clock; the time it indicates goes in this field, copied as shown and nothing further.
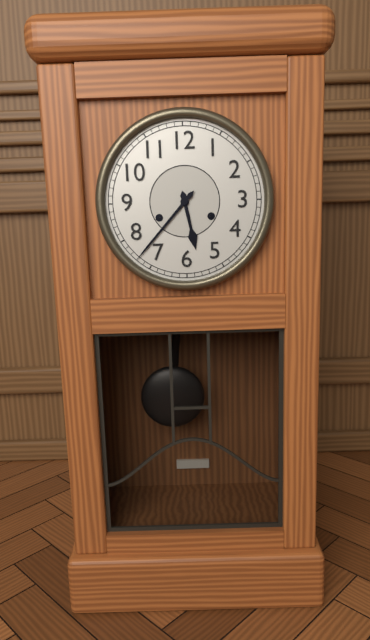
5:37
